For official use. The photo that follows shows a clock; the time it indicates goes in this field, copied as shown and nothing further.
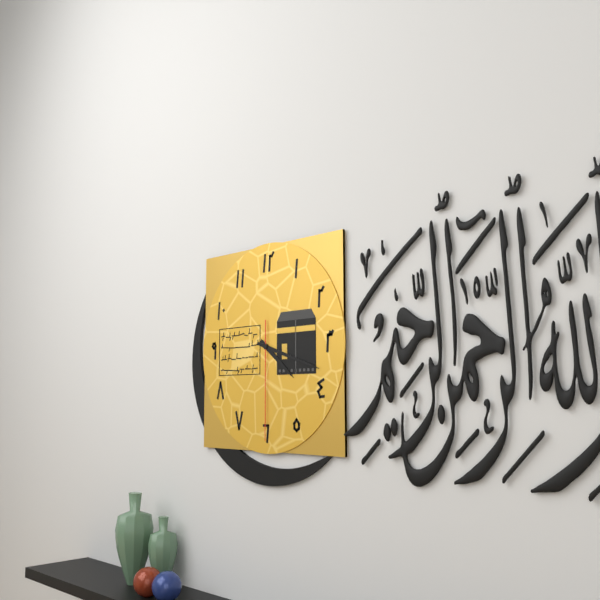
4:18:30
